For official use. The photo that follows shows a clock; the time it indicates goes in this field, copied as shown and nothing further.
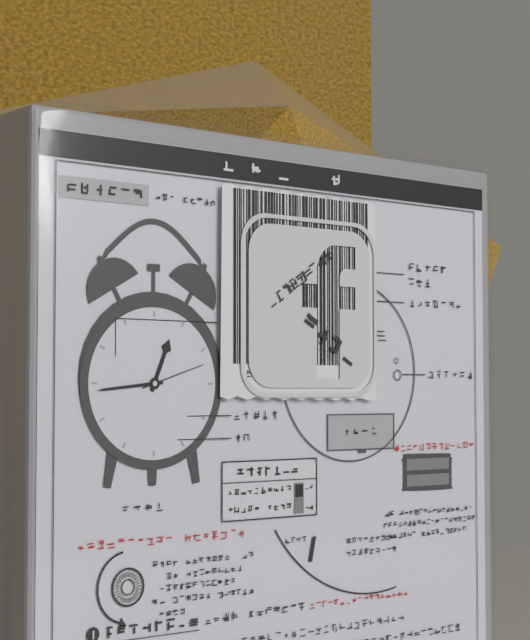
12:44:12
